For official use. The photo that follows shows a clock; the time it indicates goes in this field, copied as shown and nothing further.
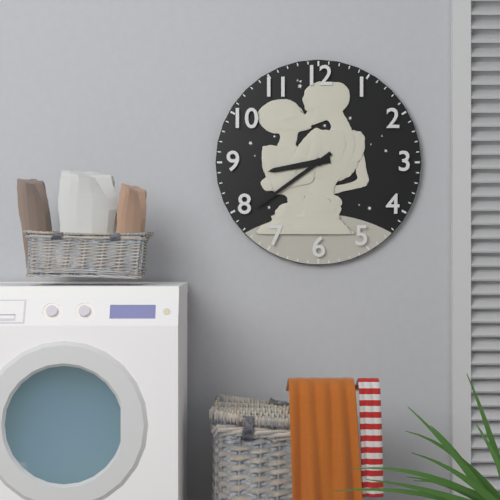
8:39
